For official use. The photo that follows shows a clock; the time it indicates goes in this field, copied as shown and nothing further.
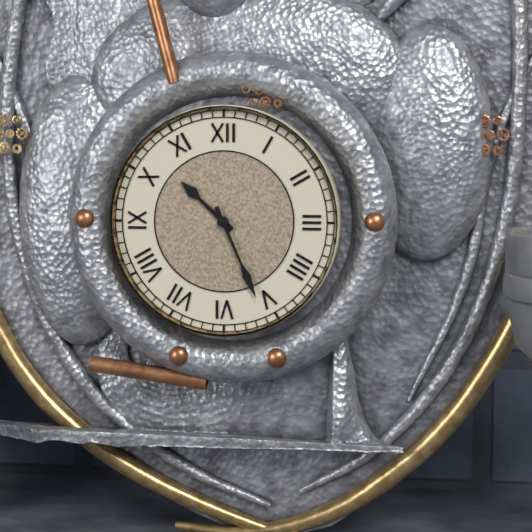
10:26
